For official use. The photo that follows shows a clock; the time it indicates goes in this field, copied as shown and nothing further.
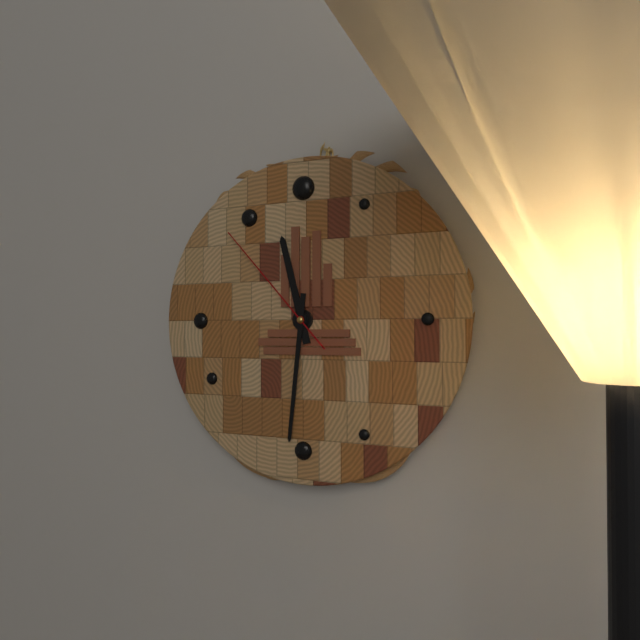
11:31:53
